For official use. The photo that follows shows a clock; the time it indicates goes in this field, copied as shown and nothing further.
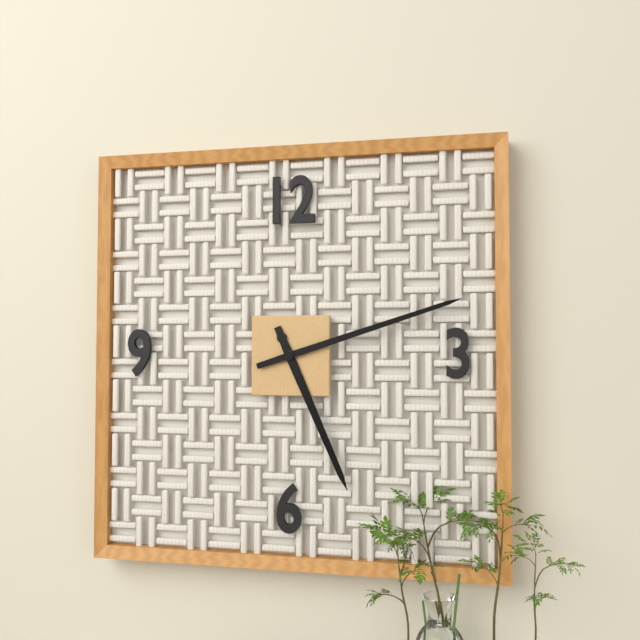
5:12
